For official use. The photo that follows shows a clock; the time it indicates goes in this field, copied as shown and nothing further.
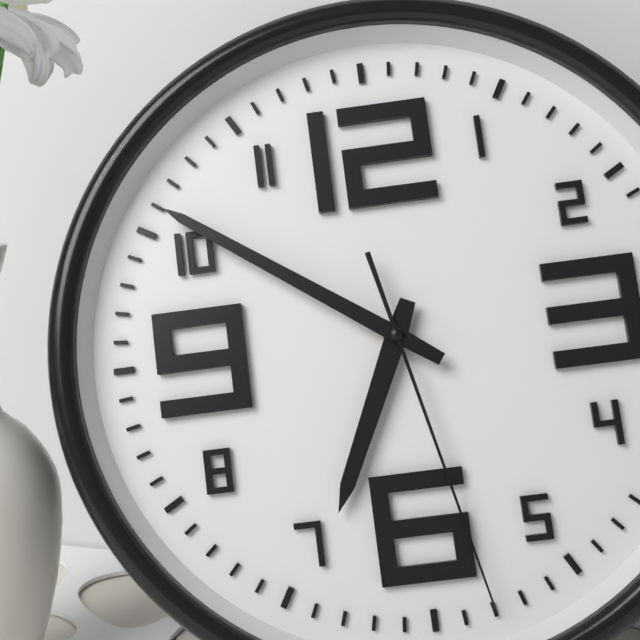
6:51:28
